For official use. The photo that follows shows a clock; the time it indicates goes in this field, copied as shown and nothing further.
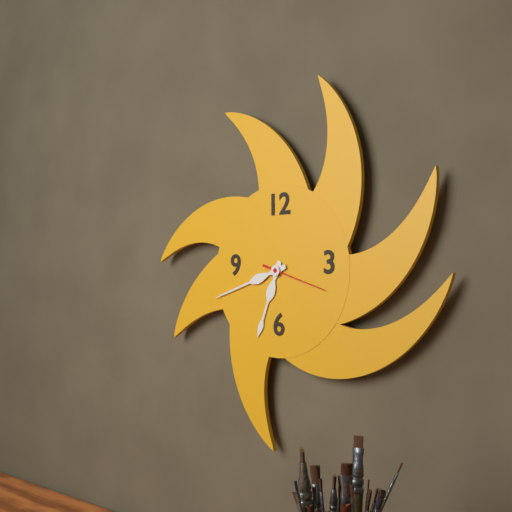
6:42:18
